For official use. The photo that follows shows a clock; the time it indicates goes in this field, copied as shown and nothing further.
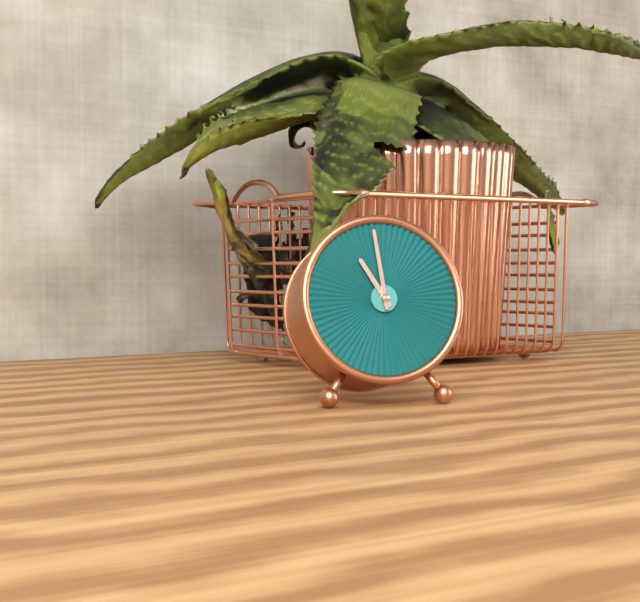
10:59
